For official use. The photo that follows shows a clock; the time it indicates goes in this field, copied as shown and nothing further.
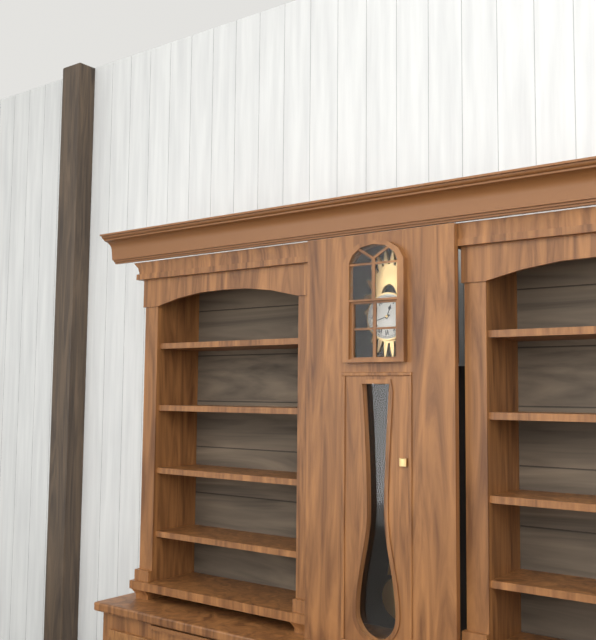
12:42
